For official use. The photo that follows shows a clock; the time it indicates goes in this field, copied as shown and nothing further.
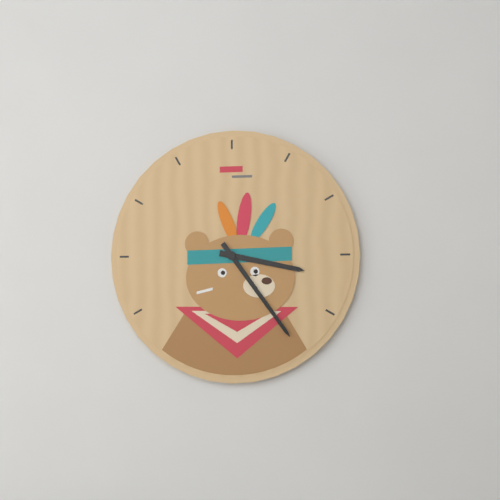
3:24
